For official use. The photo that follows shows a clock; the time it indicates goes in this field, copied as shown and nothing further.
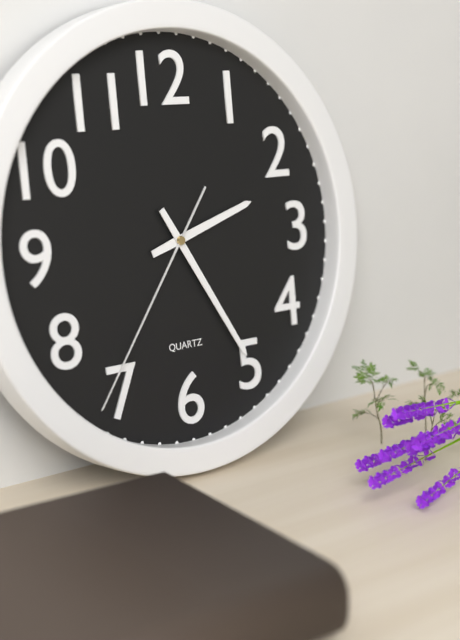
2:25:36
